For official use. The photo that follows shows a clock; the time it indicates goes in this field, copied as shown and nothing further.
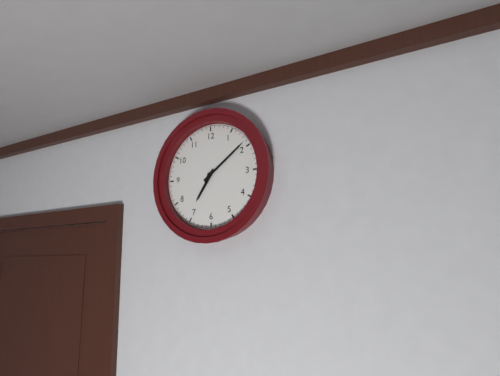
7:09
